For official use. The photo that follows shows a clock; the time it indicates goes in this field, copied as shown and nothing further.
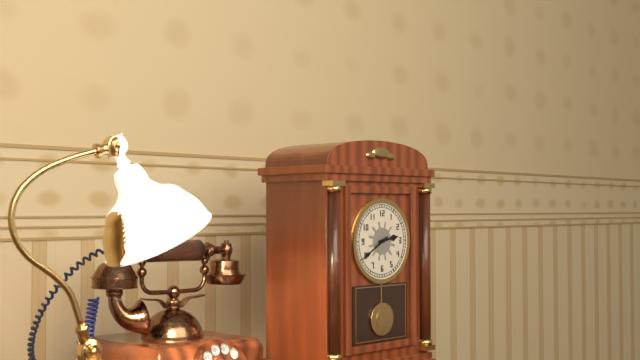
2:40
